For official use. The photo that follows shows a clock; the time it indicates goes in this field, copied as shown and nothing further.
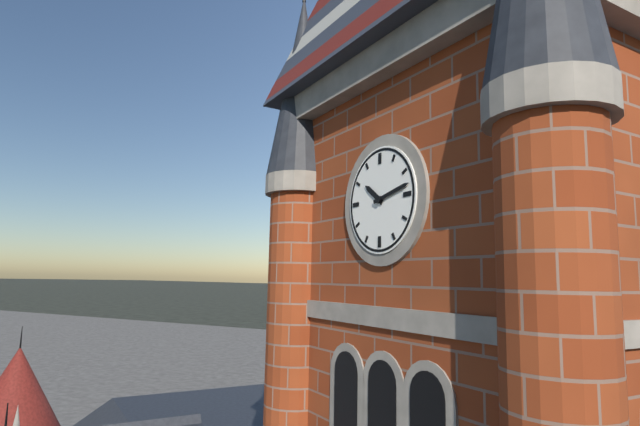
10:13
